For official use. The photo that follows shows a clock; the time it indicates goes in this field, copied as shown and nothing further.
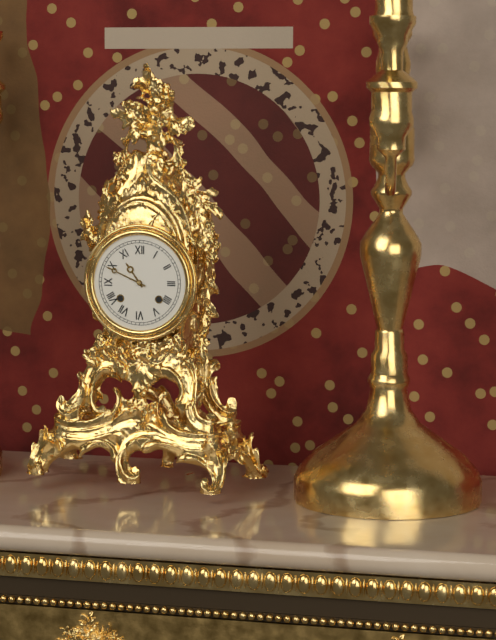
10:49
